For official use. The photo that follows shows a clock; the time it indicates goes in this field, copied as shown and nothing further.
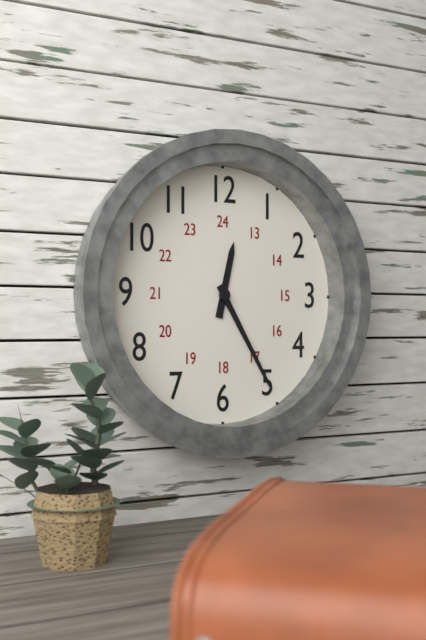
12:25
